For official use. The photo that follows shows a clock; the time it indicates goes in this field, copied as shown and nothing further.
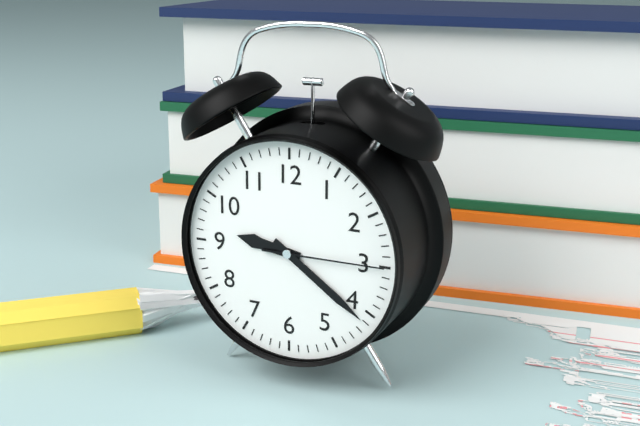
9:21:15
